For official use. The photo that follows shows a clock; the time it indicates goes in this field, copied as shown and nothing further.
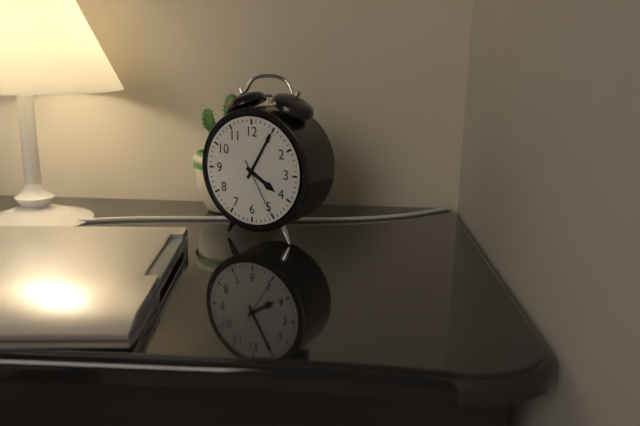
4:05:25
